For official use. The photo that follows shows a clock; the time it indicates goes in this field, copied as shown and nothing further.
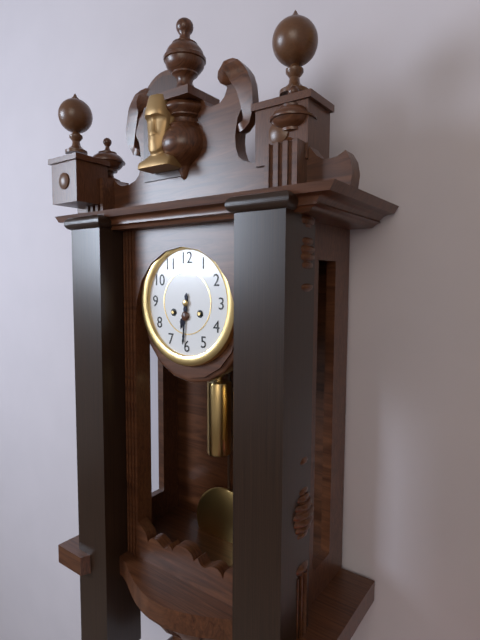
6:31
